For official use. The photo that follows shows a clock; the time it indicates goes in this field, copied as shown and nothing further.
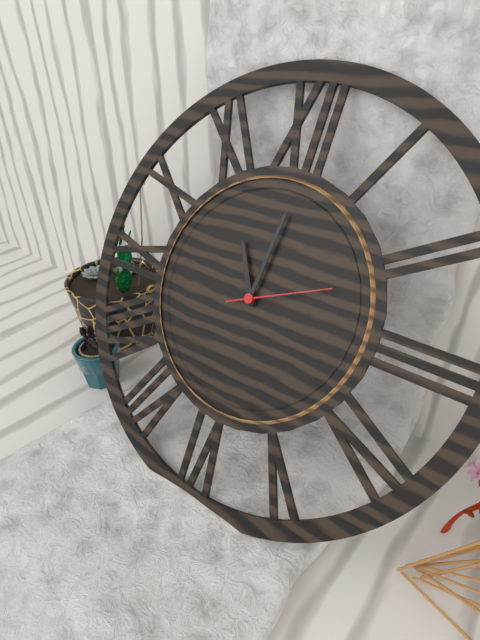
11:01:11
